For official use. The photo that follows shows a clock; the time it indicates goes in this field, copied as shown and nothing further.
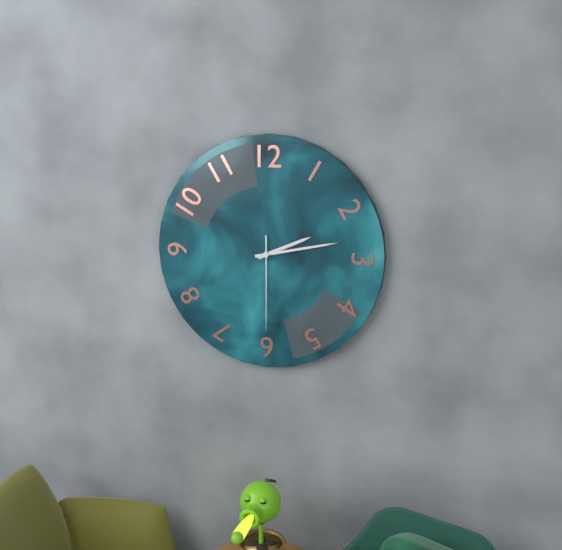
2:13:30
